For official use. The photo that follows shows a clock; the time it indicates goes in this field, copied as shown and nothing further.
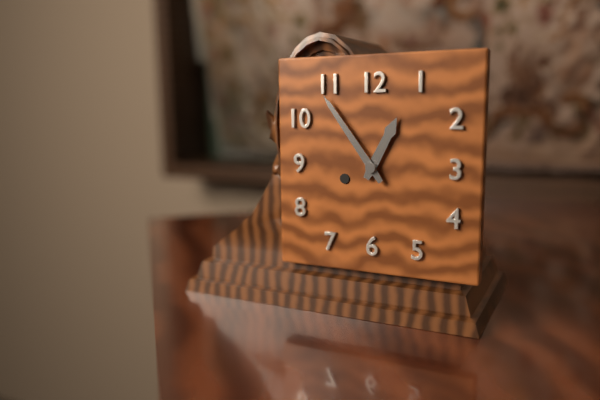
12:54
